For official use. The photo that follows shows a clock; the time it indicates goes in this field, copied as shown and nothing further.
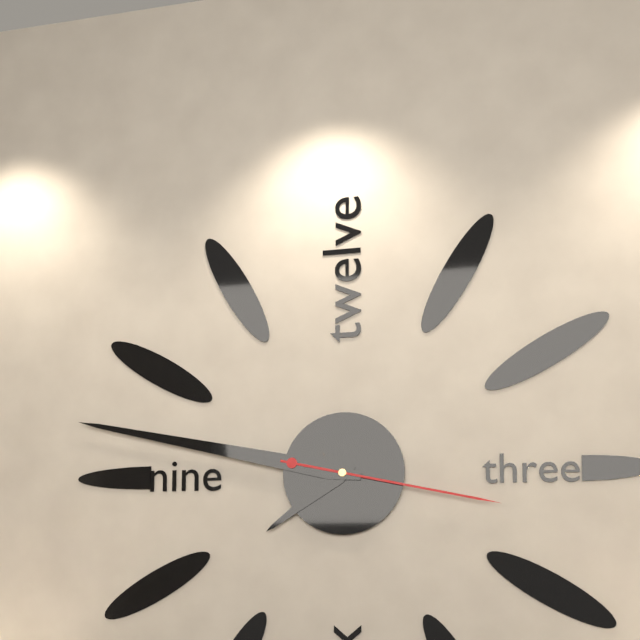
7:47:17
